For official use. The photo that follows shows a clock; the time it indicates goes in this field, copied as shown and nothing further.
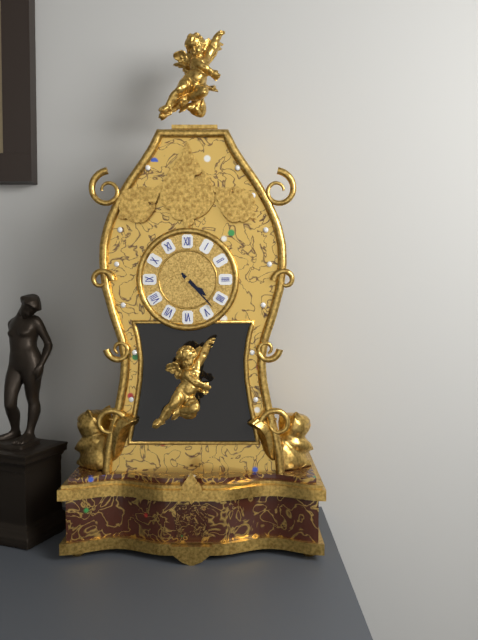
4:23
